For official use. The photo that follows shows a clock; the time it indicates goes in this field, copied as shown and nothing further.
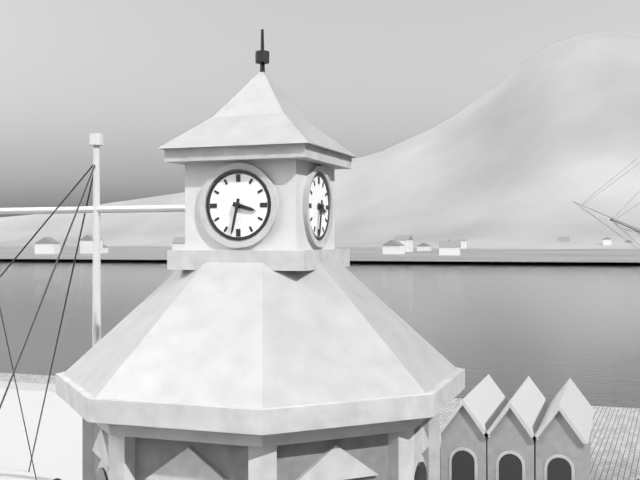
3:32
